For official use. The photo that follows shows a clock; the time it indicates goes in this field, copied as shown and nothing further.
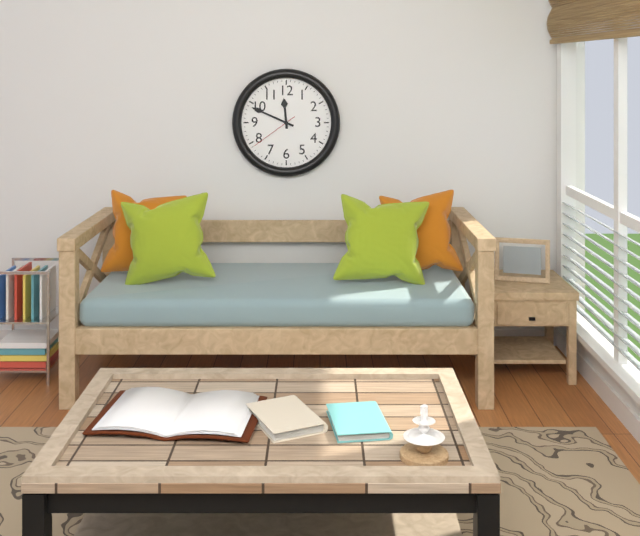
11:49:39
